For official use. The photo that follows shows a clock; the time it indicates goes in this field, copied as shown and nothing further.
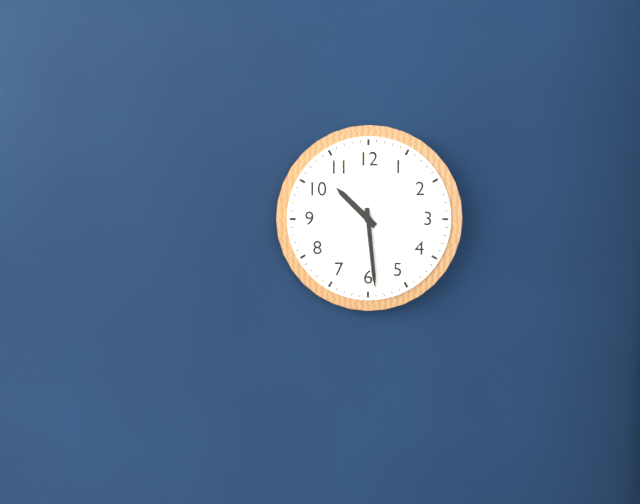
10:29
